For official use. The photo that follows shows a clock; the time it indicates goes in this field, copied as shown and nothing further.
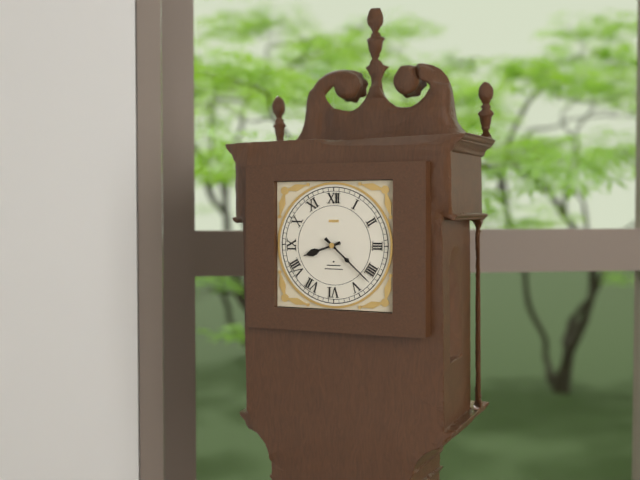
8:22
